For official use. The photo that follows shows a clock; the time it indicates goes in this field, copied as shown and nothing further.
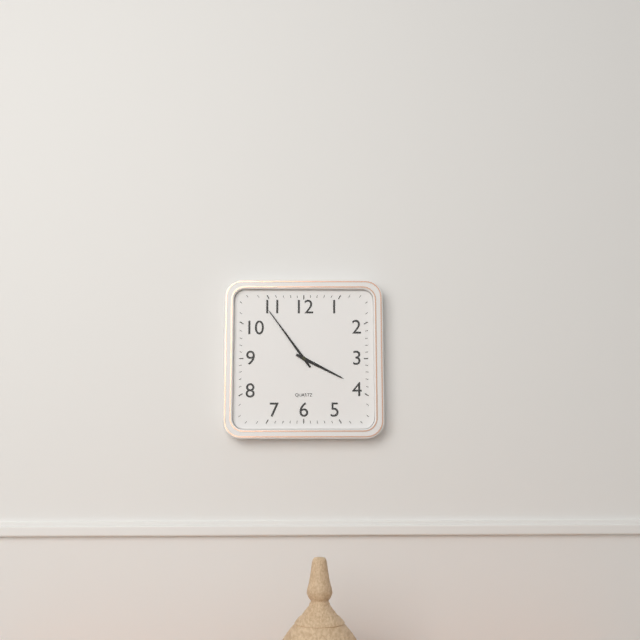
3:54
